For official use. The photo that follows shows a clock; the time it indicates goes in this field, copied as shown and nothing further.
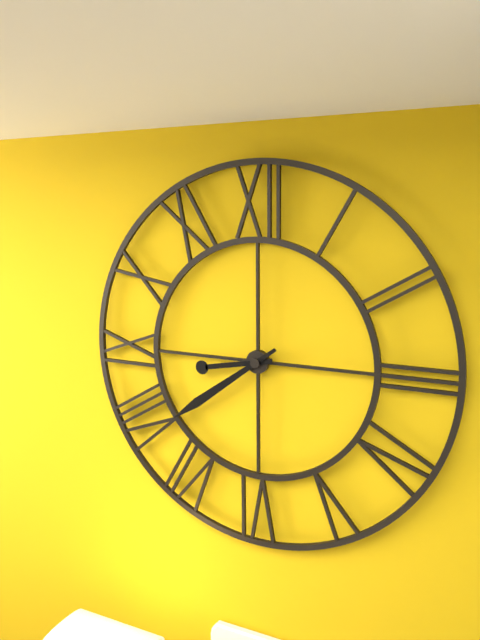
8:39
